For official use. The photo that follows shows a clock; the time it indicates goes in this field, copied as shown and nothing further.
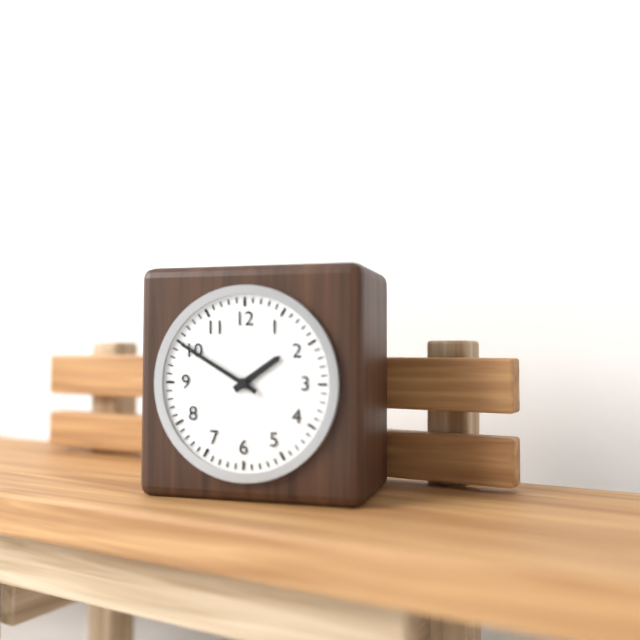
1:50
